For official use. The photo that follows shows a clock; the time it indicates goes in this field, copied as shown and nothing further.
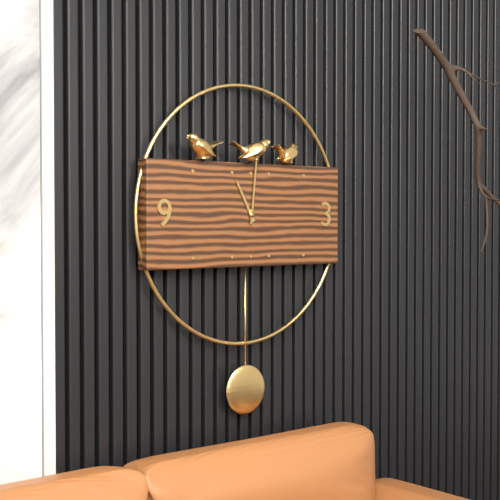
11:01
